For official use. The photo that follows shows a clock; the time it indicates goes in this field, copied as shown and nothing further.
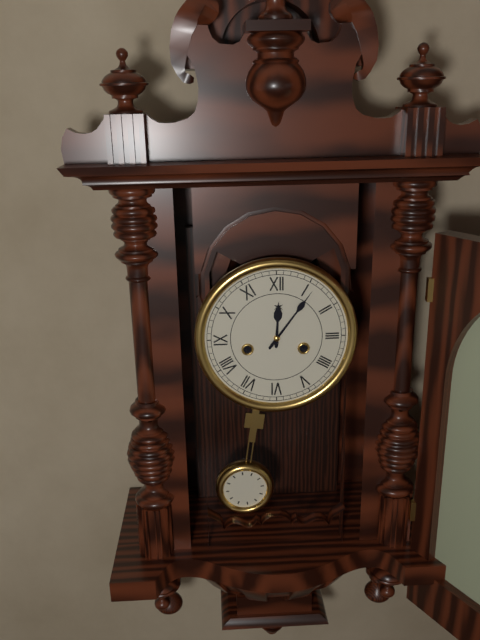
12:06
